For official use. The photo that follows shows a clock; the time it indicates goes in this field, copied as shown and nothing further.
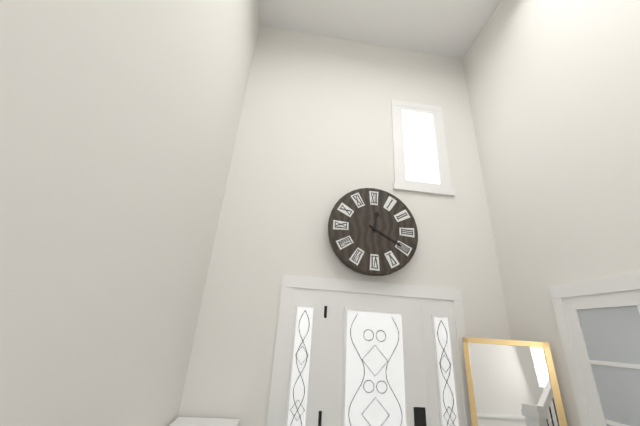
12:20
